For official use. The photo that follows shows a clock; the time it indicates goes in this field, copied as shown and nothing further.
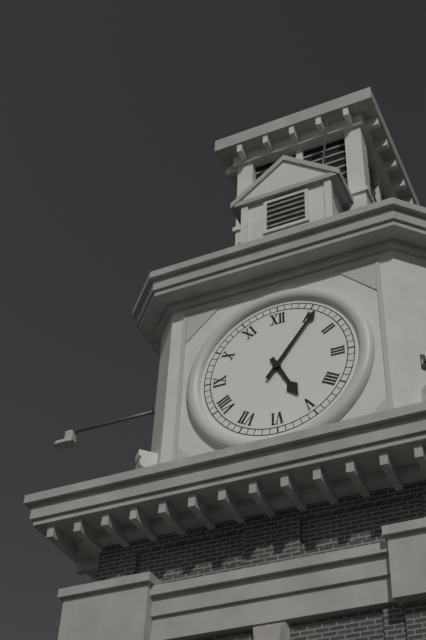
5:06
